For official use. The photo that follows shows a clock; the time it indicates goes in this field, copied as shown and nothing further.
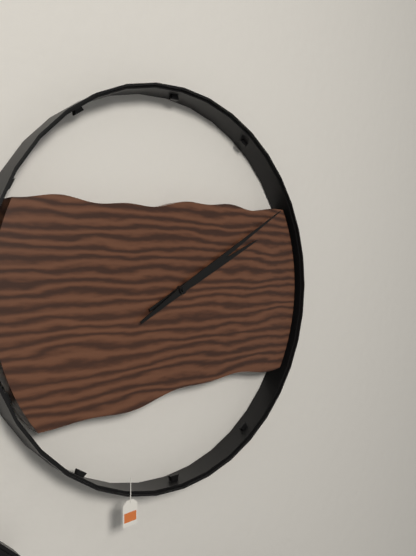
2:10
